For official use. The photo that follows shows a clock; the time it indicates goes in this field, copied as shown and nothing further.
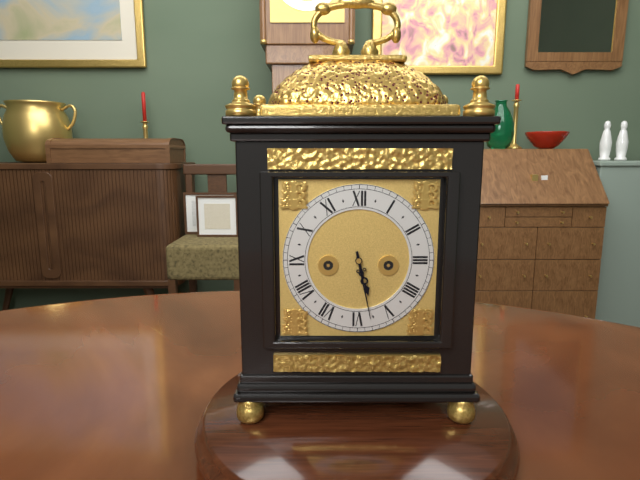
5:28
